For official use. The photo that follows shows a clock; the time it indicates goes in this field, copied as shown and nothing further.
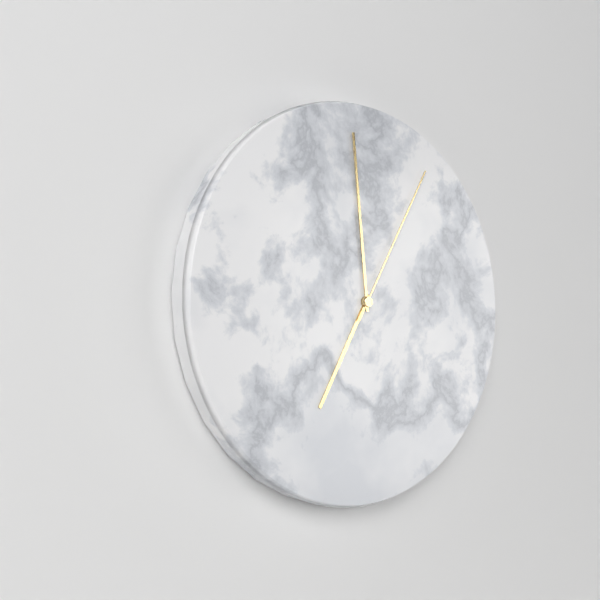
6:59:05
